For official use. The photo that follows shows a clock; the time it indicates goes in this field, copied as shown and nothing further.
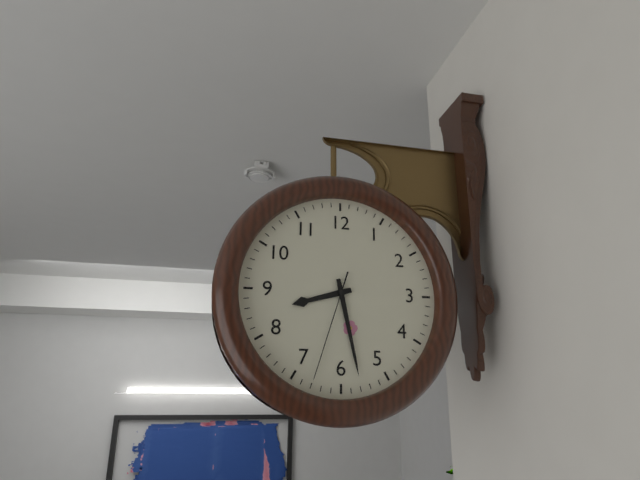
8:28:33
